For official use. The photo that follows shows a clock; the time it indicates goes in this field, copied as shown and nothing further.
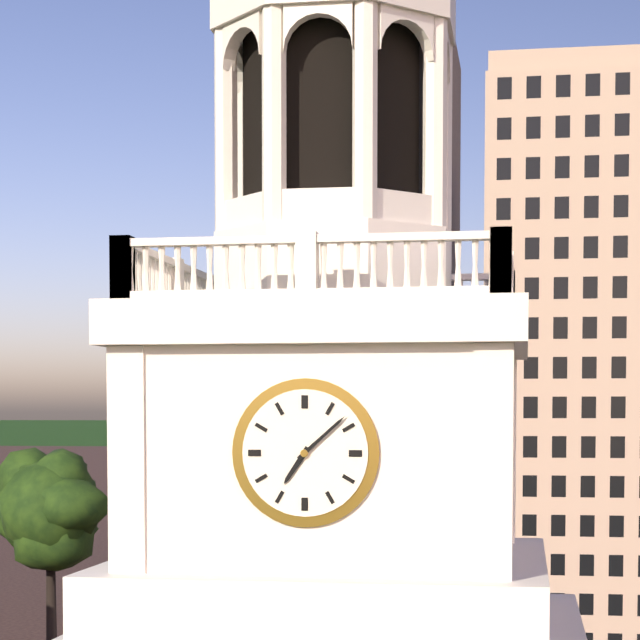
7:08
